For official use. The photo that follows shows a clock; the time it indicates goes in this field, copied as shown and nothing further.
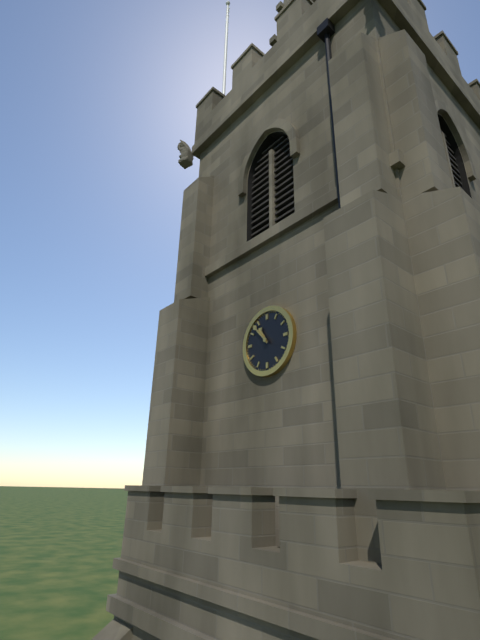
10:53
